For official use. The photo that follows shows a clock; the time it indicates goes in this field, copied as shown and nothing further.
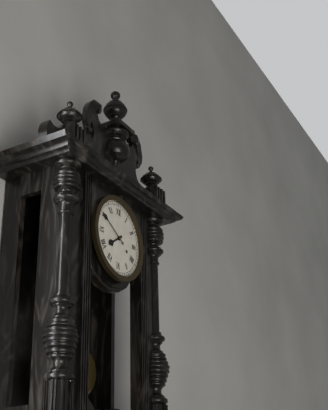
7:50
